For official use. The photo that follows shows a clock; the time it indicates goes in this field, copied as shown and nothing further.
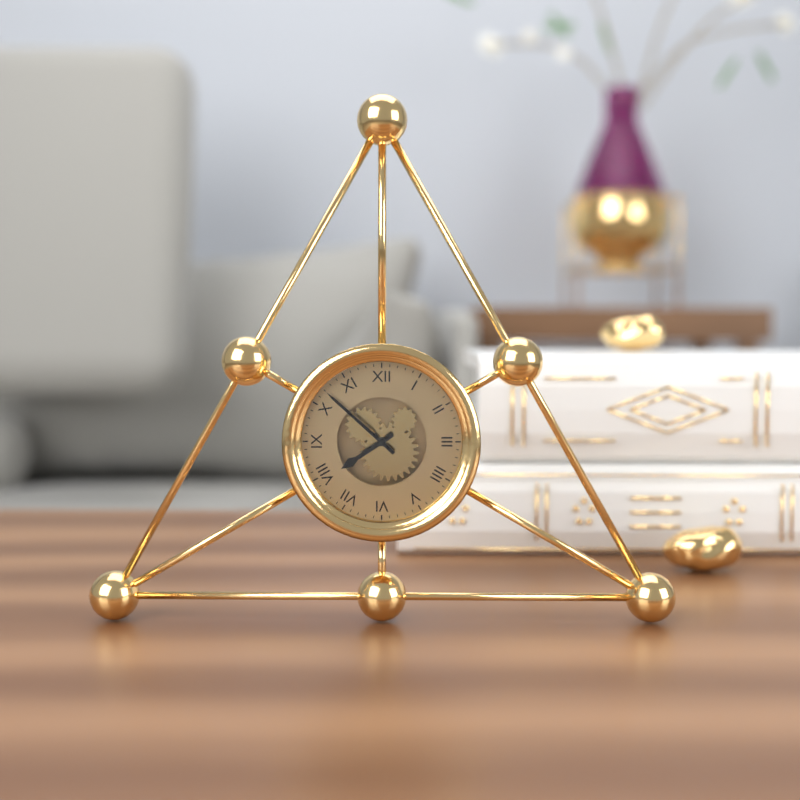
7:52
